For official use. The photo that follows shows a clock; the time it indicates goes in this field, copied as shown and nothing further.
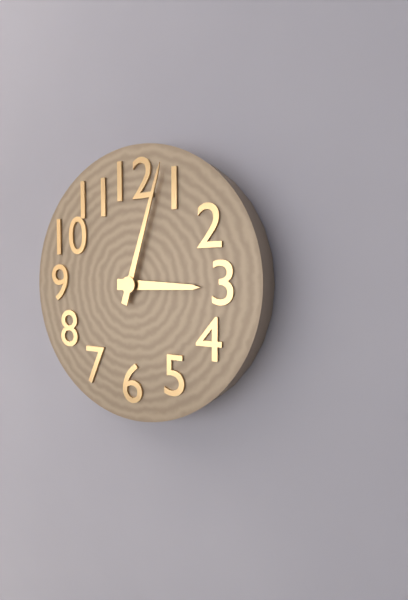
3:03
